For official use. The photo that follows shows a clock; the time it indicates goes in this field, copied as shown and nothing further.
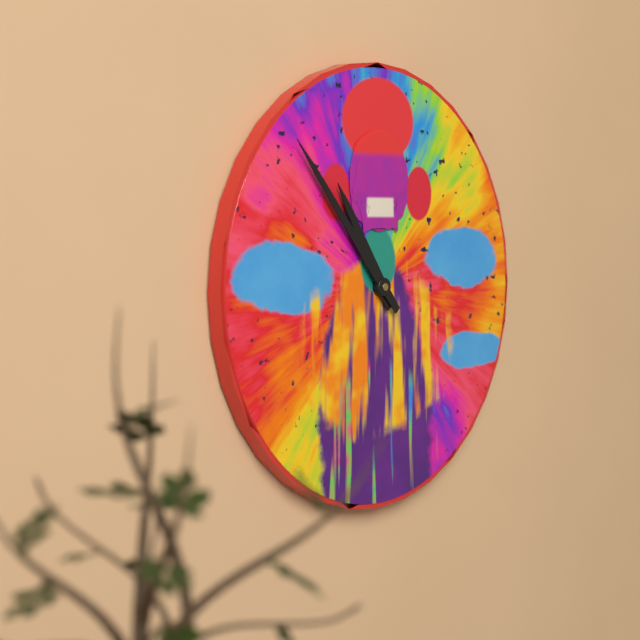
10:53
